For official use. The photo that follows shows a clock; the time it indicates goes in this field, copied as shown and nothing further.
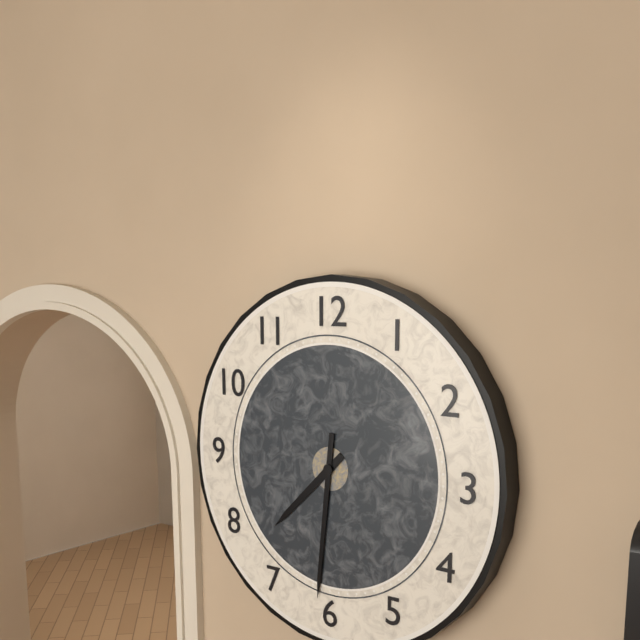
7:31
